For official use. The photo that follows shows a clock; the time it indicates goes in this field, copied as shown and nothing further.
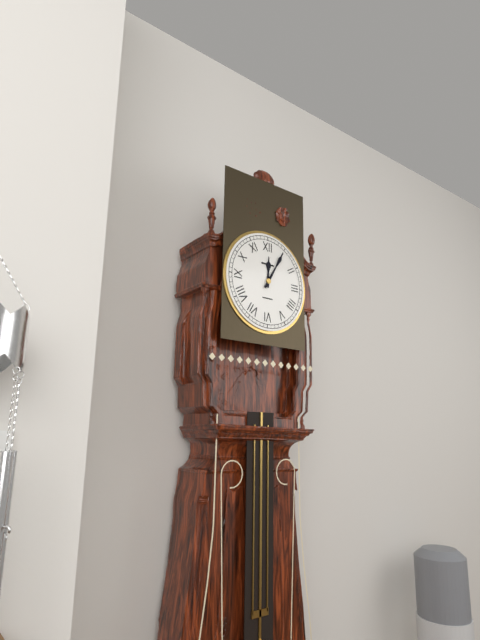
12:05
